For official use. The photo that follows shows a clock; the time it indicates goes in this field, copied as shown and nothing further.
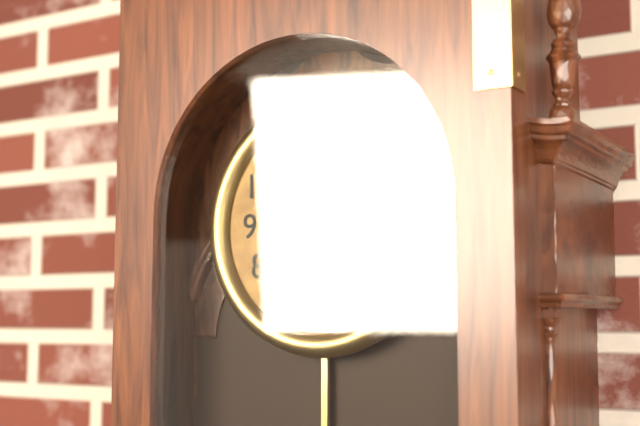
6:55
